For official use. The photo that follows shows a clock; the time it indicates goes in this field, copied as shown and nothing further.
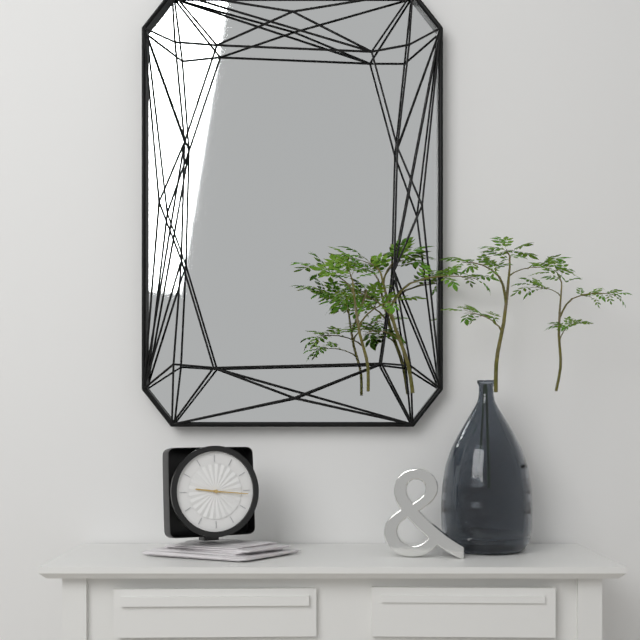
9:16
